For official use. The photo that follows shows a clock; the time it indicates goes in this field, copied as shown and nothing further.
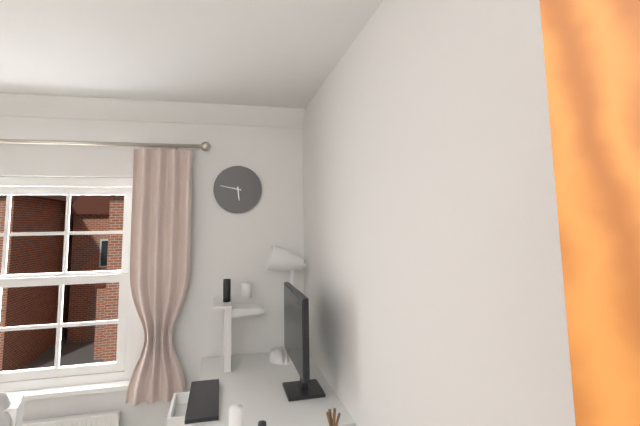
5:47
